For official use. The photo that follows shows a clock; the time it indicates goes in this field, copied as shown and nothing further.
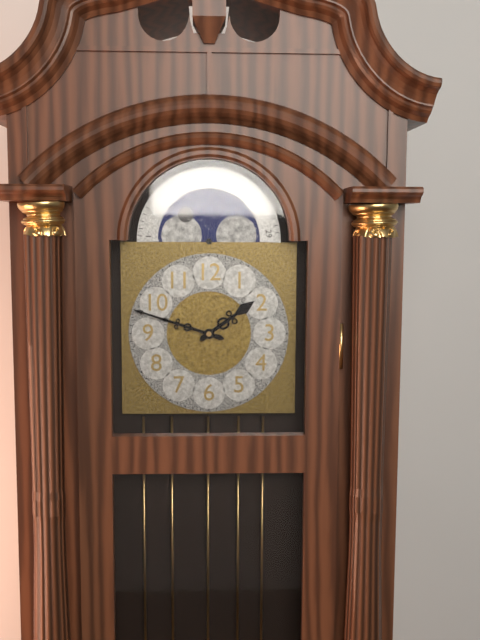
1:48
